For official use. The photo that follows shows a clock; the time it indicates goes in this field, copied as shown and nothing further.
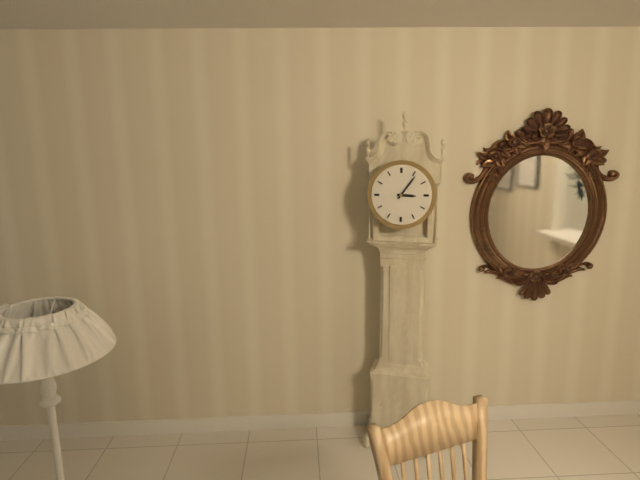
3:06
